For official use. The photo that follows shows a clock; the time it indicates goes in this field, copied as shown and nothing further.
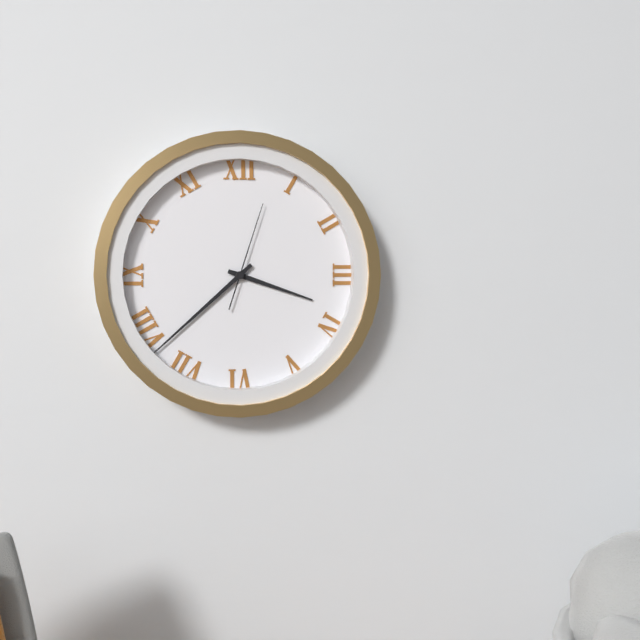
3:38:03
